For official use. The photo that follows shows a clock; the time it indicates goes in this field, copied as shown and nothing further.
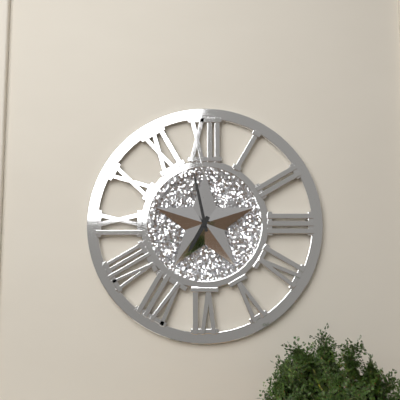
6:58
